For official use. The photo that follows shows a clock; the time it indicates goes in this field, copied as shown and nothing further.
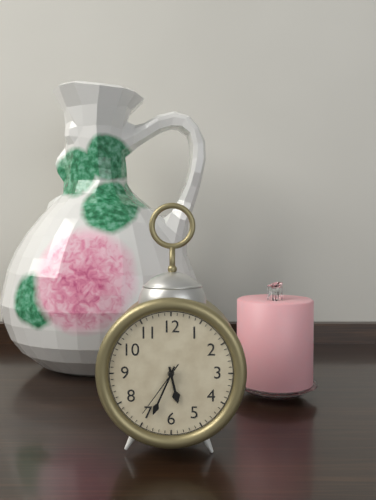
5:34:36
